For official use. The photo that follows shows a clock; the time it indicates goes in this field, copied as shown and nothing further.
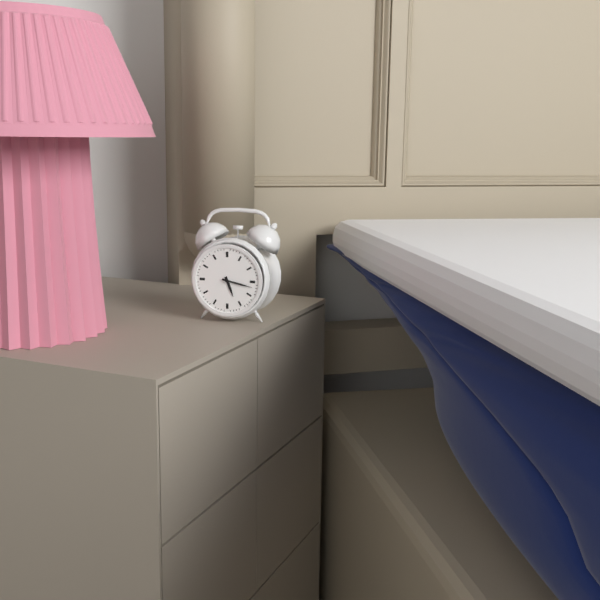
5:17
